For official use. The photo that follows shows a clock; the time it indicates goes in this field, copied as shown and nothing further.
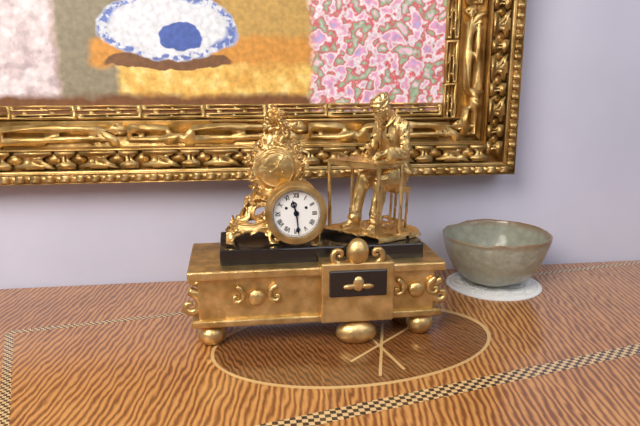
11:29
